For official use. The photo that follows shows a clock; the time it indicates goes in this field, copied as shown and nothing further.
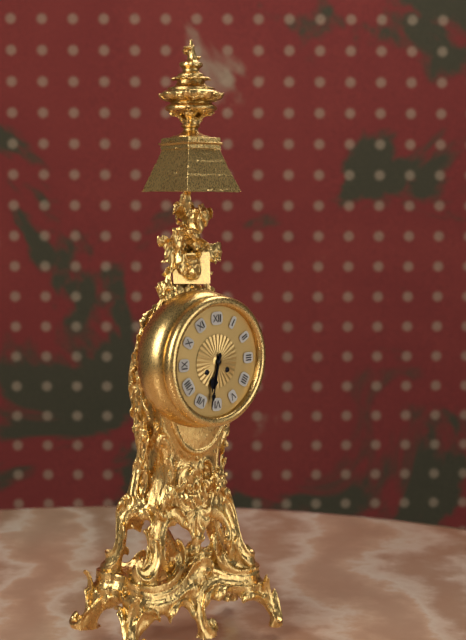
6:32
